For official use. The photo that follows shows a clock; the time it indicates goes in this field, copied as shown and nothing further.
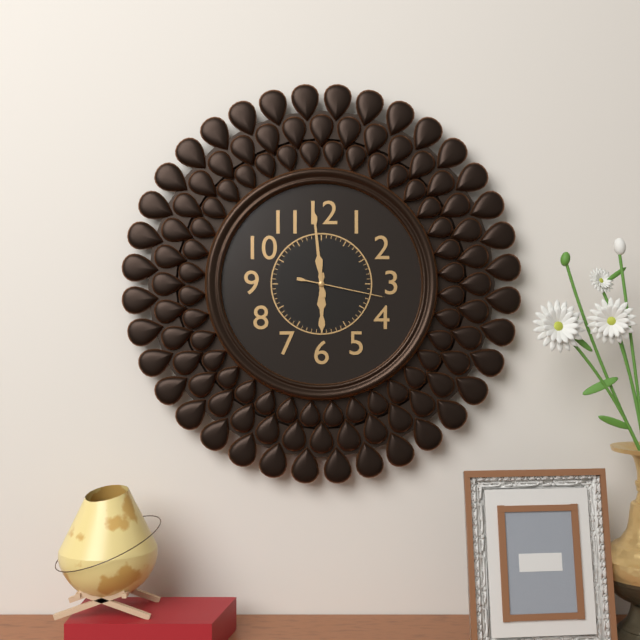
5:59:17
